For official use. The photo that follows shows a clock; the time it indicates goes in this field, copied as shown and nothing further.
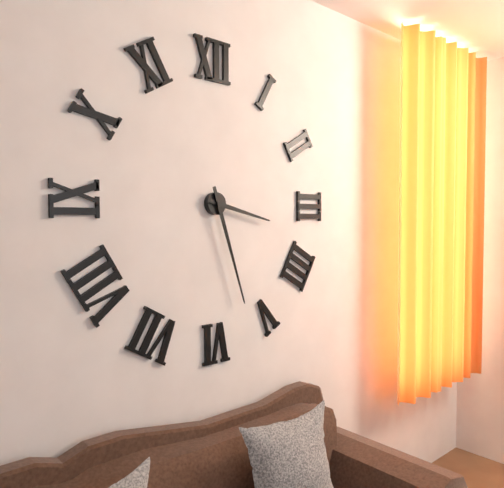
3:27
